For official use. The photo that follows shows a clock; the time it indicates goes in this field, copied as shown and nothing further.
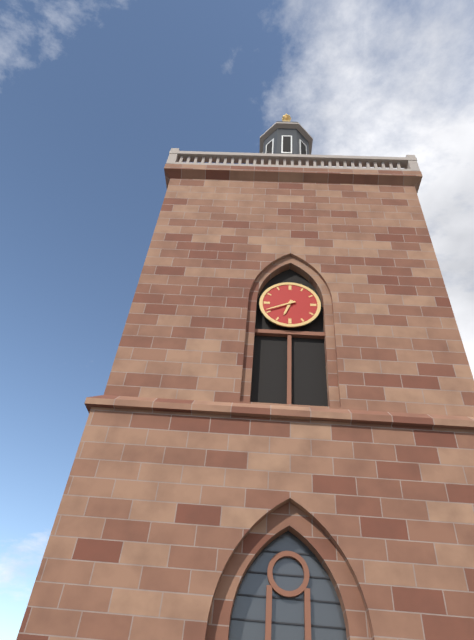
6:41
